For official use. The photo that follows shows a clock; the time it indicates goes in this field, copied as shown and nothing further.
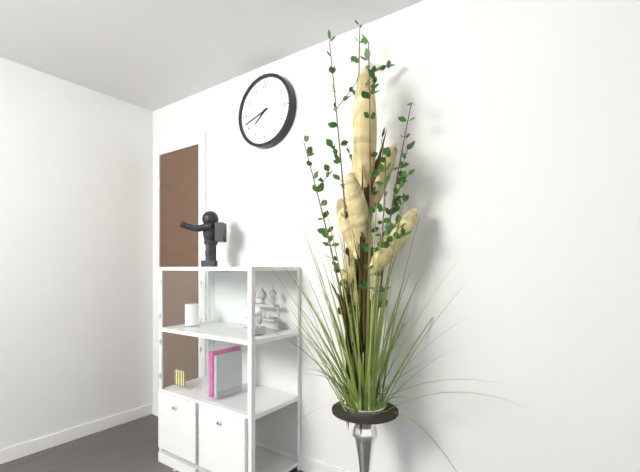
7:42
